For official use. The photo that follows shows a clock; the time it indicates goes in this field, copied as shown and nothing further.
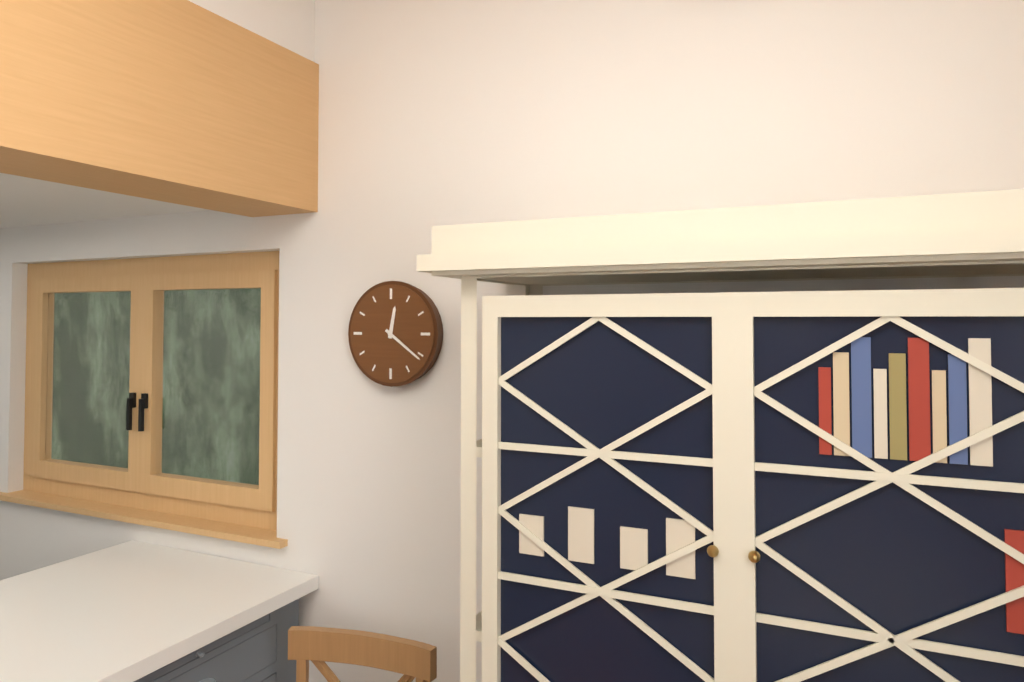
12:21
